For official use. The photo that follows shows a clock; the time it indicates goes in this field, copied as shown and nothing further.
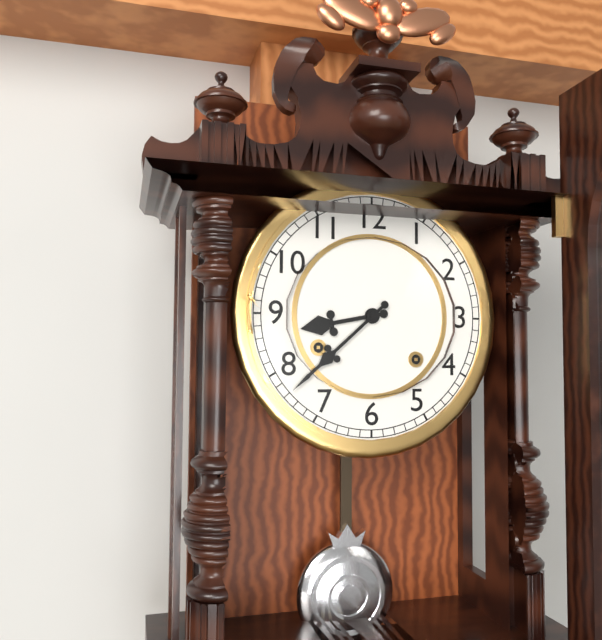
8:38
